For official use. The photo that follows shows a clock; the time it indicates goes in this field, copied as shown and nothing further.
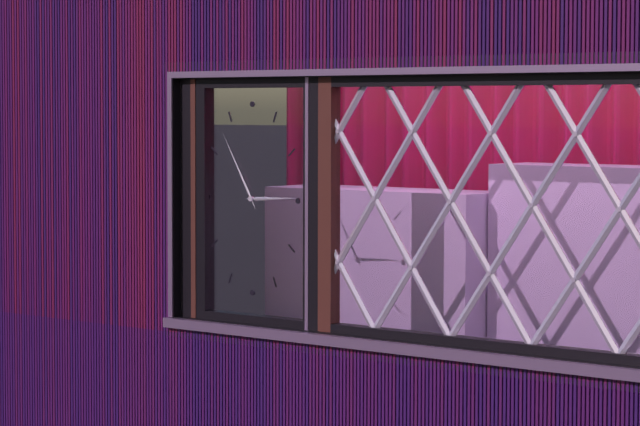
2:55
